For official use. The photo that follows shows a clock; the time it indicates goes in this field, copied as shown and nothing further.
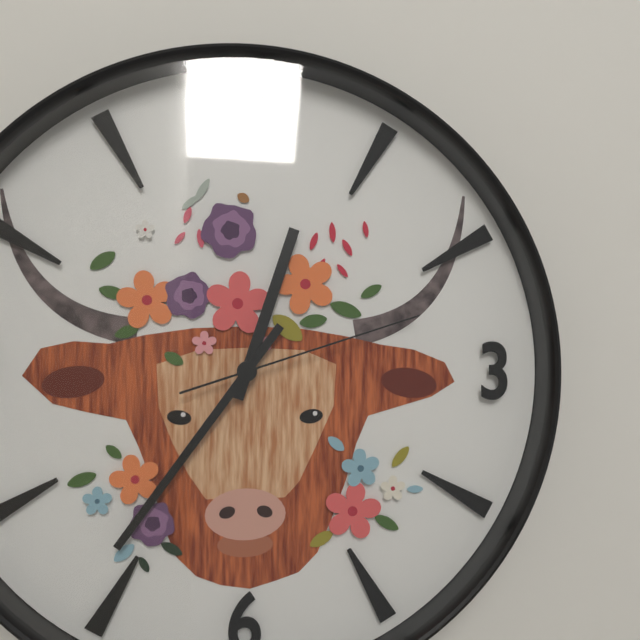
12:36:12
